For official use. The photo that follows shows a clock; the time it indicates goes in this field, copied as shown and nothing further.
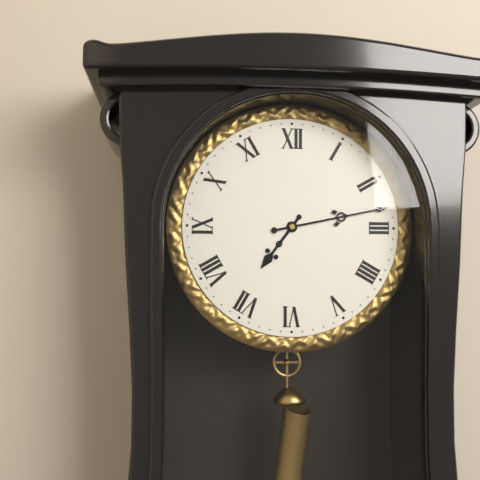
7:13
